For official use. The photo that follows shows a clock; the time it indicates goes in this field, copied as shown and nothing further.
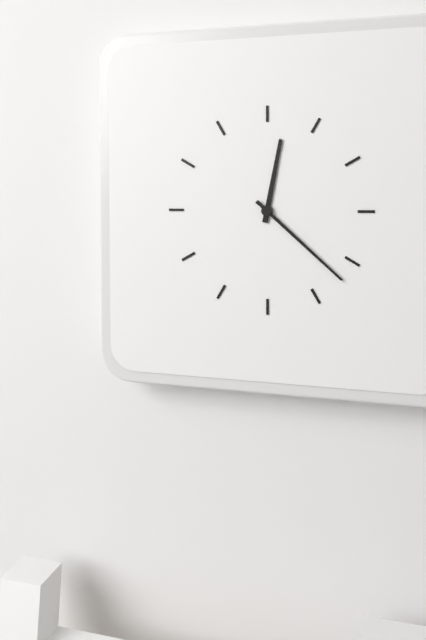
12:22
